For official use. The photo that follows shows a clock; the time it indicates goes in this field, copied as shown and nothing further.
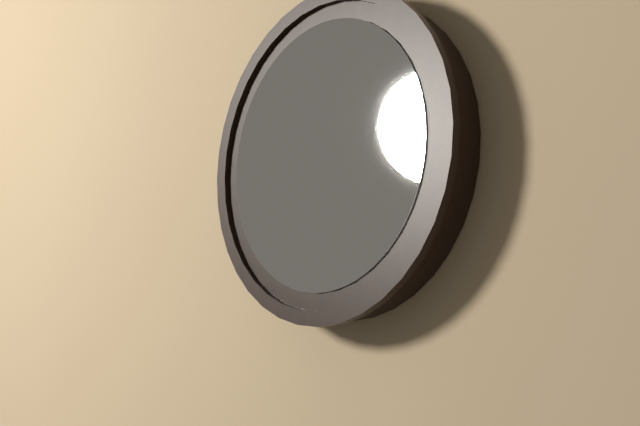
1:50
